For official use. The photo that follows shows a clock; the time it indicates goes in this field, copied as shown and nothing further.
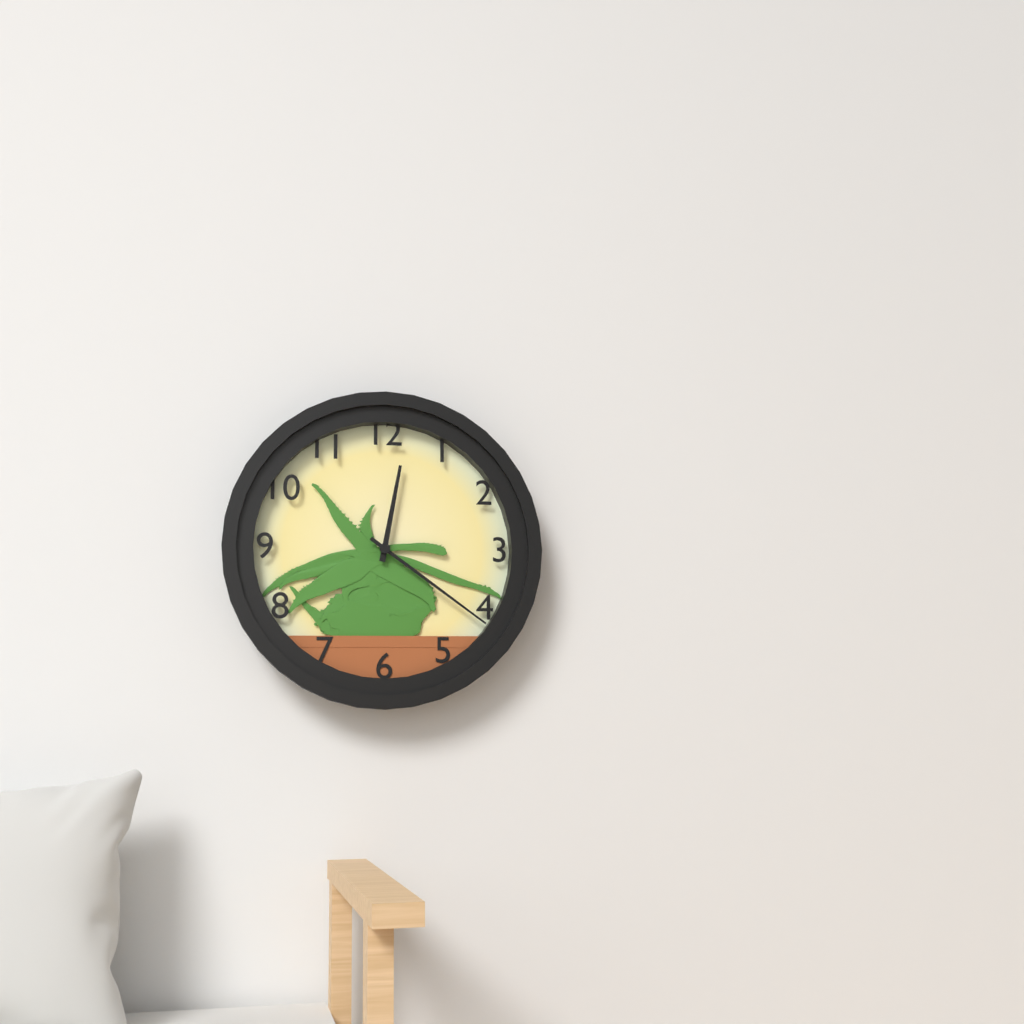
12:21
